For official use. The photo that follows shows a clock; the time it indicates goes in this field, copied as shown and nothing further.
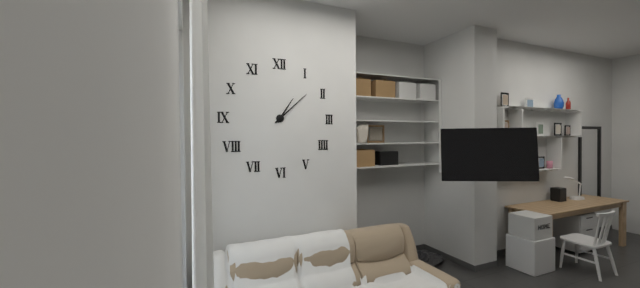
1:08
